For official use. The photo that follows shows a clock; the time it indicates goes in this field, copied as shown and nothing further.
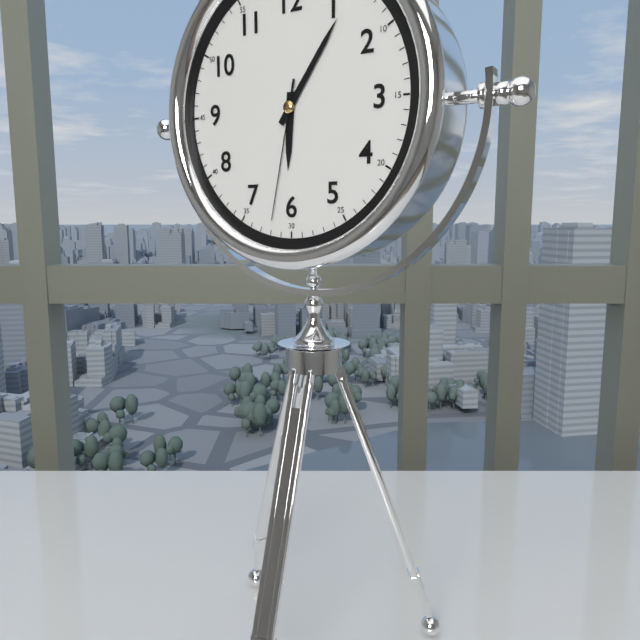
6:06:32
